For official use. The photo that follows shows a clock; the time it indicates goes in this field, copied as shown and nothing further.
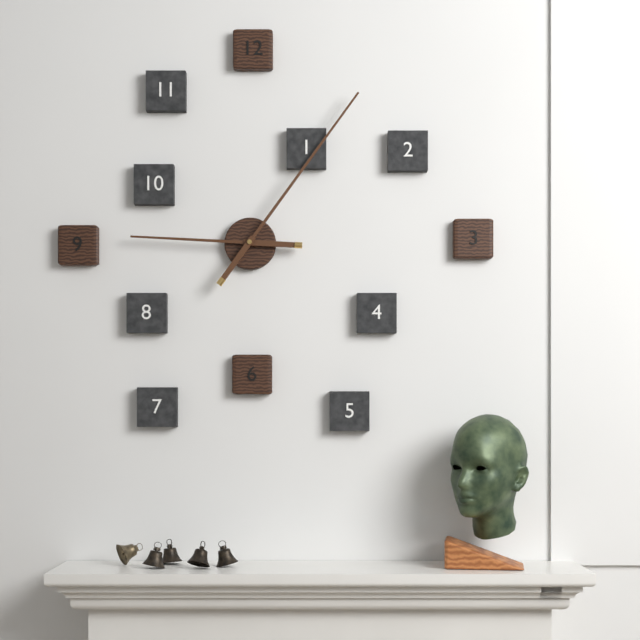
9:06
